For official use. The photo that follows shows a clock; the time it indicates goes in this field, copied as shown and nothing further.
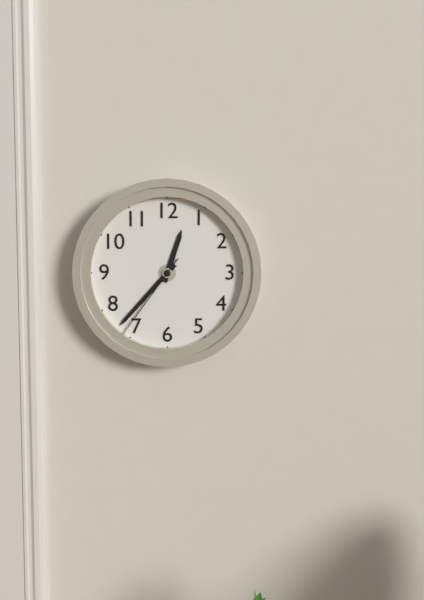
12:37:36
